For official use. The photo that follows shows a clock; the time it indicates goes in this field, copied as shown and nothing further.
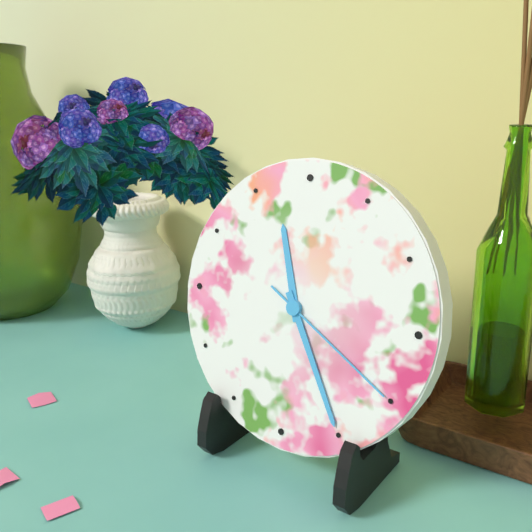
11:25:20
